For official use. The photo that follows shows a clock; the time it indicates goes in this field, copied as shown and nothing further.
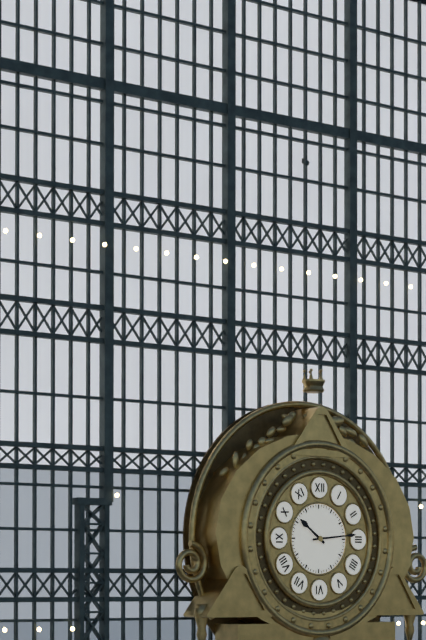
10:14
